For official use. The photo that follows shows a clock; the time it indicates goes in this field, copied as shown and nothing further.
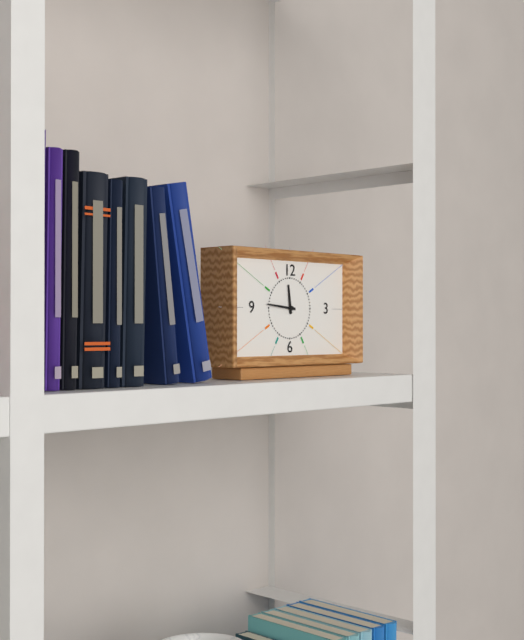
11:46
